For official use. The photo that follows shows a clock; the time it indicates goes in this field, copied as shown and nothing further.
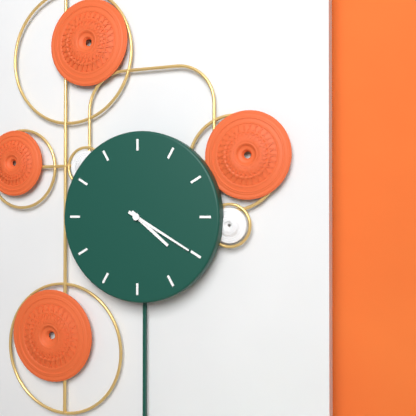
4:20
